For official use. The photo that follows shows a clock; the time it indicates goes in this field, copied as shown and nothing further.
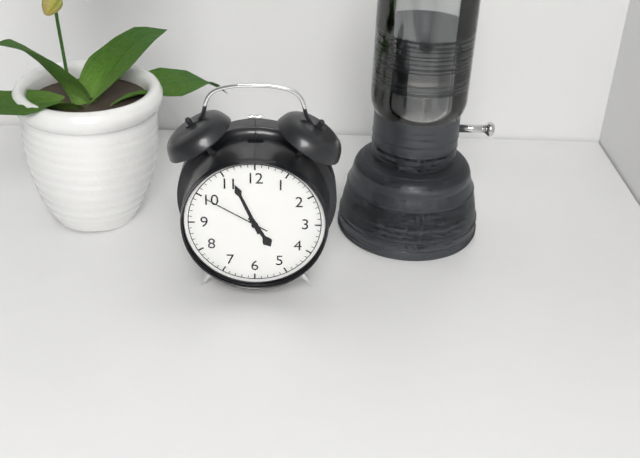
4:56:50
